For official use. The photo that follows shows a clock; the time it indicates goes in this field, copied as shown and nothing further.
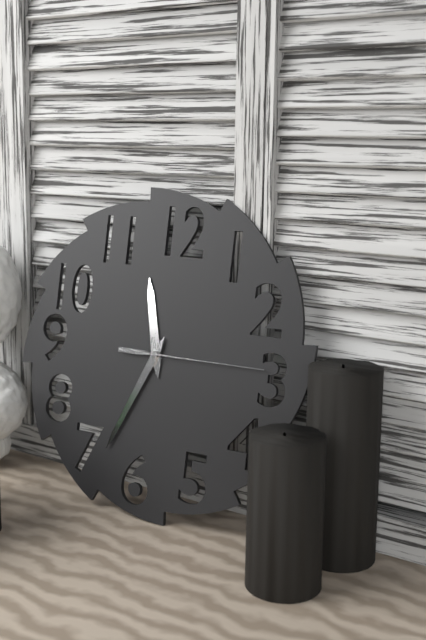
11:34:15
